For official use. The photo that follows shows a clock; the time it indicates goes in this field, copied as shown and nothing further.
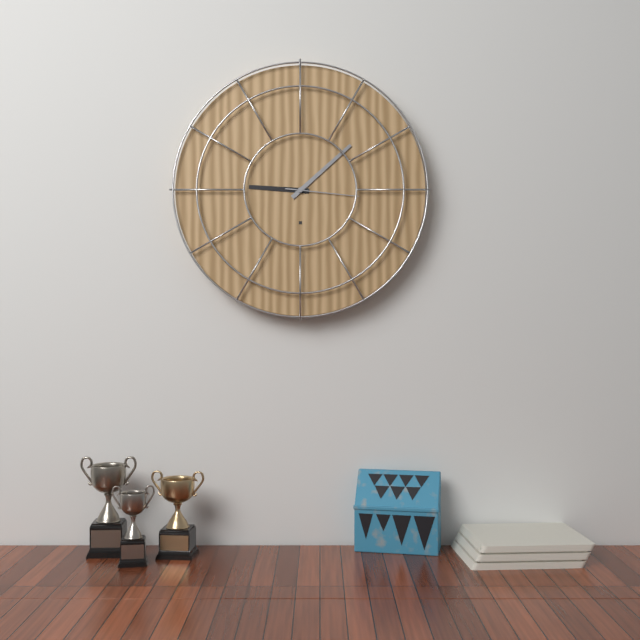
9:08:16
